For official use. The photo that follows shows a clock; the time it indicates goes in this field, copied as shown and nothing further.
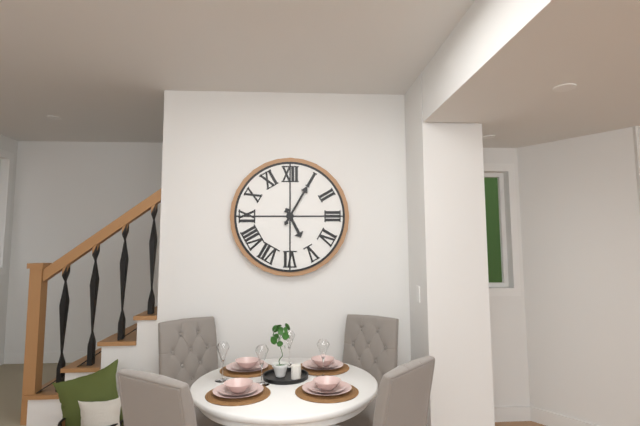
5:05
